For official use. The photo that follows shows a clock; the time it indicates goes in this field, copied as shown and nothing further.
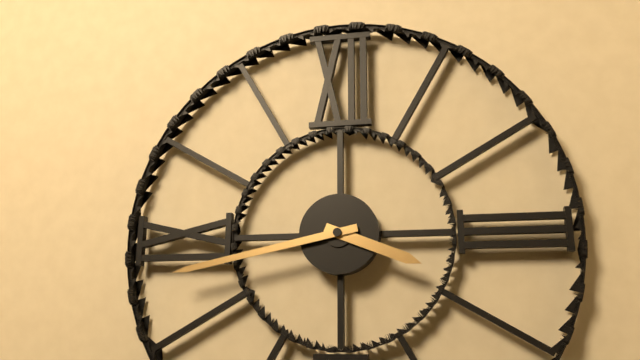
3:43
